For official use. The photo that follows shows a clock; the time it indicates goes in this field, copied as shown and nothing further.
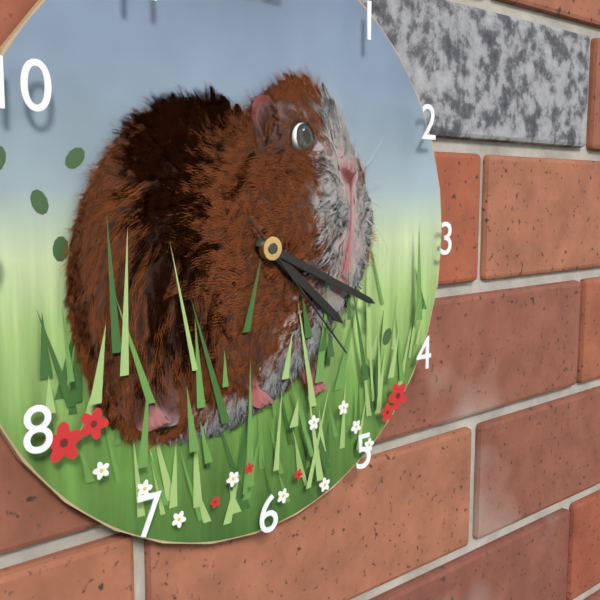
4:19:23
